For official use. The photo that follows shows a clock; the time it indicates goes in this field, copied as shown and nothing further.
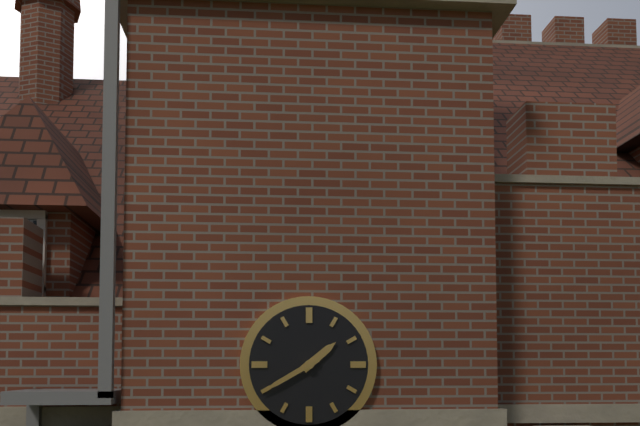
1:40
